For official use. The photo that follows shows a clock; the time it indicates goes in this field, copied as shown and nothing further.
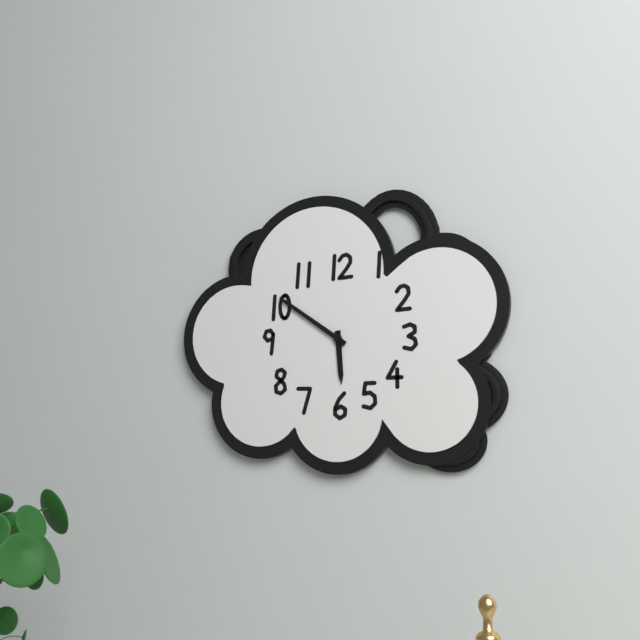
5:51
